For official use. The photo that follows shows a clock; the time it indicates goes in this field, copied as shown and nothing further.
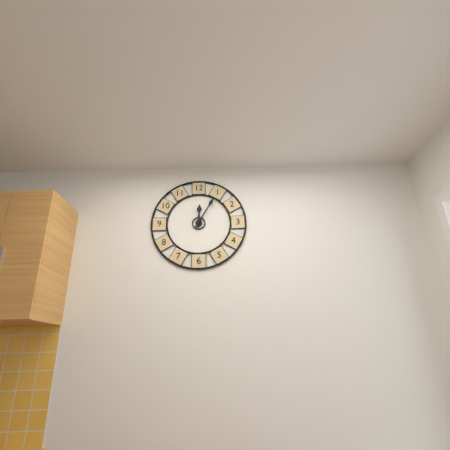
12:05
